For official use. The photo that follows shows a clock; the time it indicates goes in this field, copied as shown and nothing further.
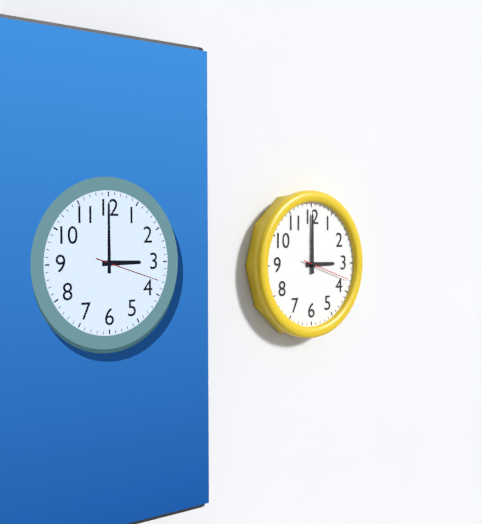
3:00
